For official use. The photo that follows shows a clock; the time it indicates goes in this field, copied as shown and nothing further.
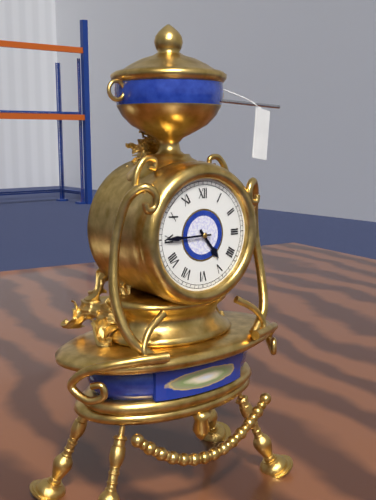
4:45
